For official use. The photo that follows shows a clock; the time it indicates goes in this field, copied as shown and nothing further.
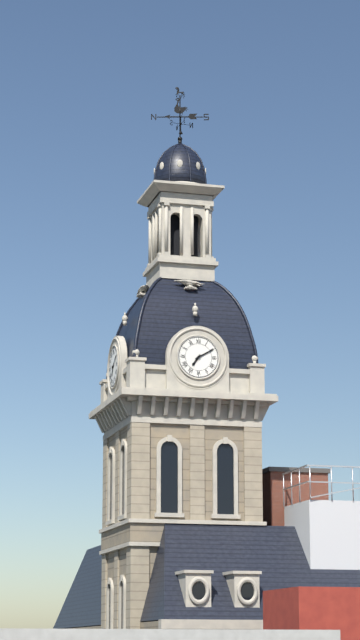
7:10
